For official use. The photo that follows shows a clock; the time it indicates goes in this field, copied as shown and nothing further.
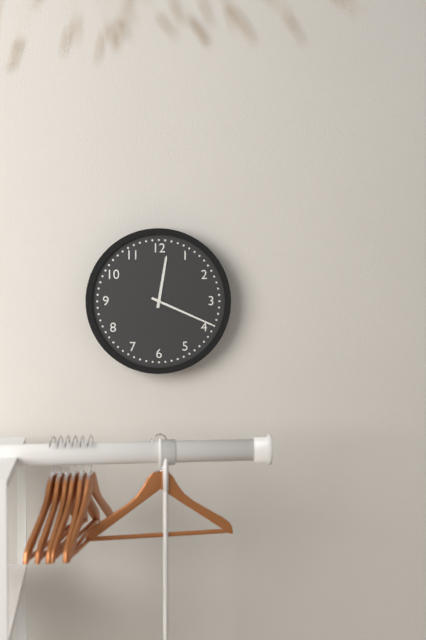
12:19
